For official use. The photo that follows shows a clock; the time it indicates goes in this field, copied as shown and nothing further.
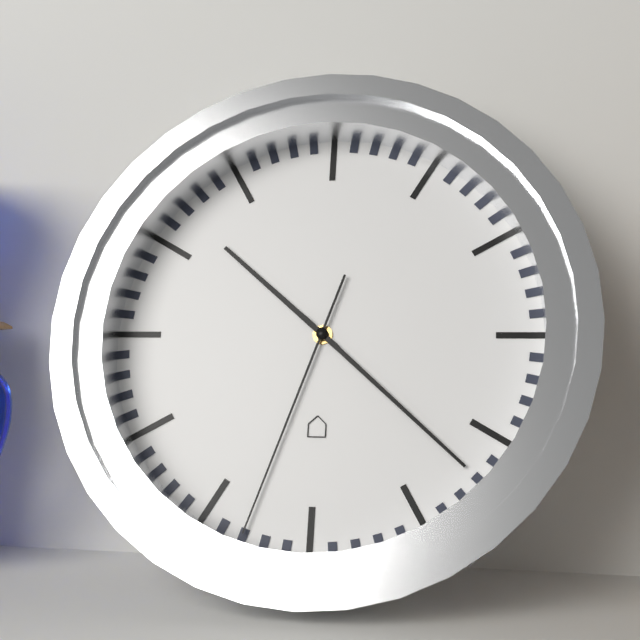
10:22:33
